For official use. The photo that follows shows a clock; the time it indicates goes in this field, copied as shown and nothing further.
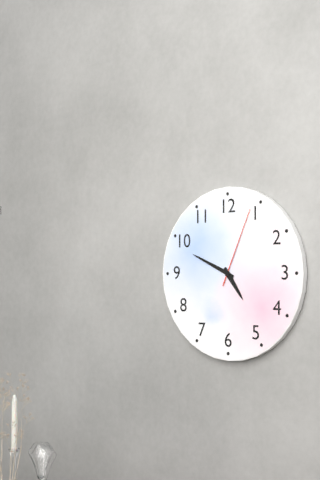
4:49:04
